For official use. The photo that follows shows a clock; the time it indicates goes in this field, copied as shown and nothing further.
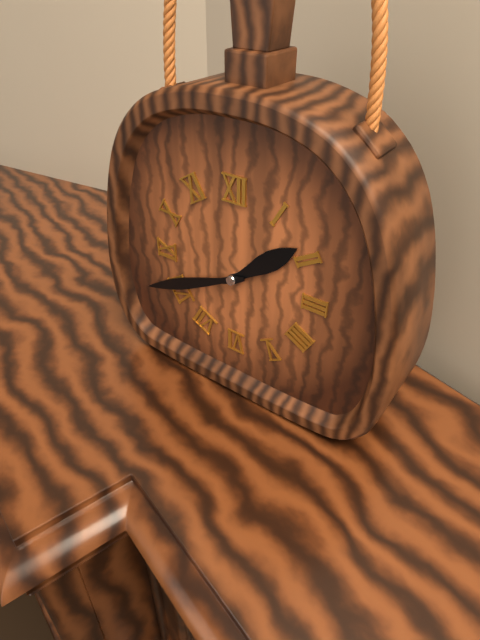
1:41
